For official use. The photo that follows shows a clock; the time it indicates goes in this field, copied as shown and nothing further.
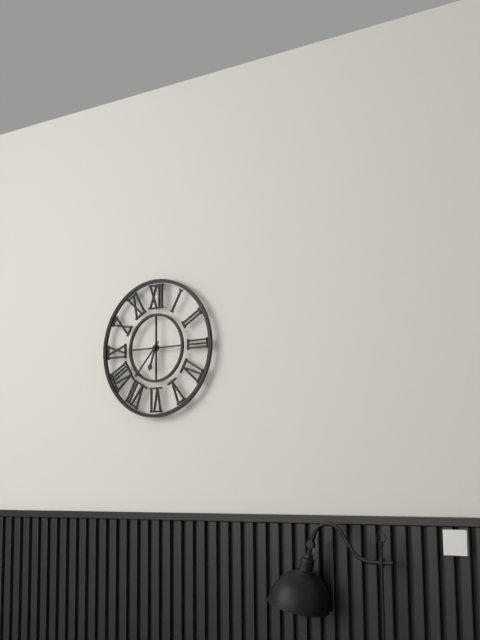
6:37
